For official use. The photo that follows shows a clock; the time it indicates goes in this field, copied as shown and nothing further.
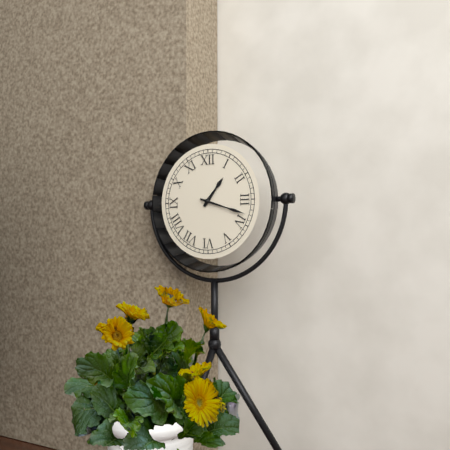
1:18
